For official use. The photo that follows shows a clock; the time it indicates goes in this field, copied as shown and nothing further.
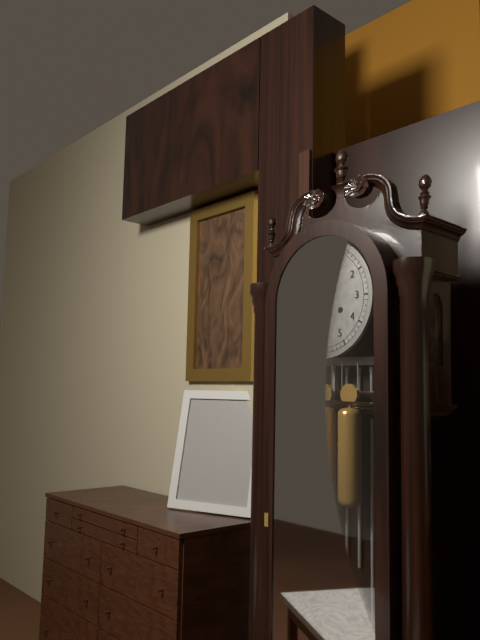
5:39
